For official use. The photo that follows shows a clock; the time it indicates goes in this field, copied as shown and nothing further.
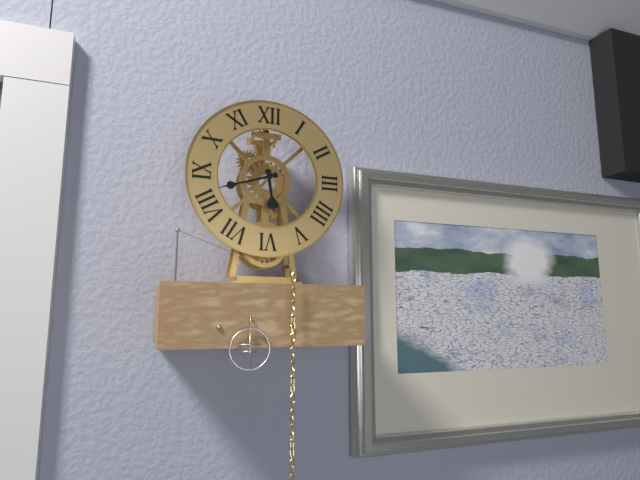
5:42
